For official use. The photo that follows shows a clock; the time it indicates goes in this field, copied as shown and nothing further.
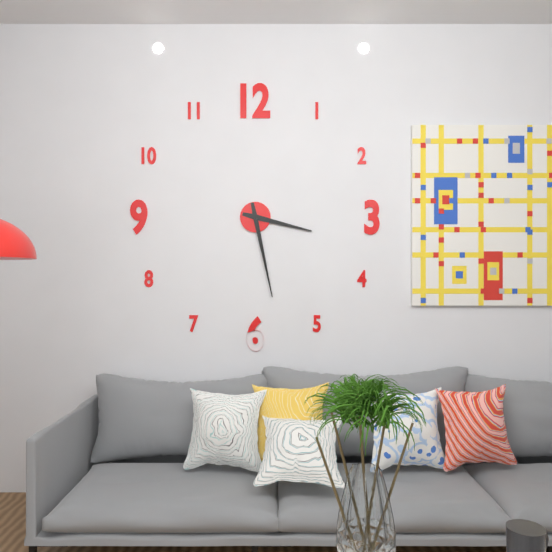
3:28
